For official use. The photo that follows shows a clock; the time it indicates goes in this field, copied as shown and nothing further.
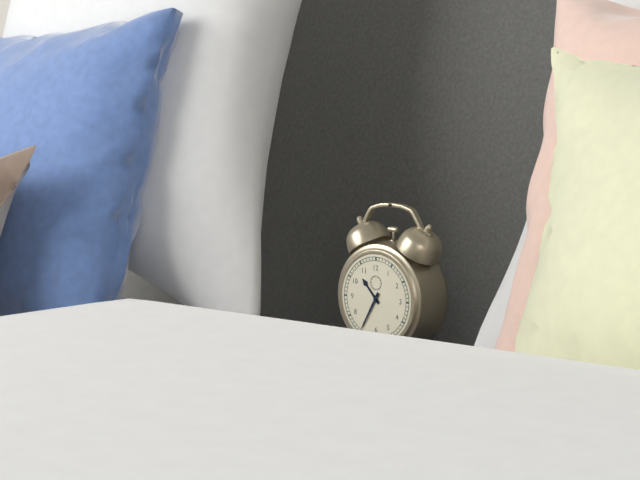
10:35
